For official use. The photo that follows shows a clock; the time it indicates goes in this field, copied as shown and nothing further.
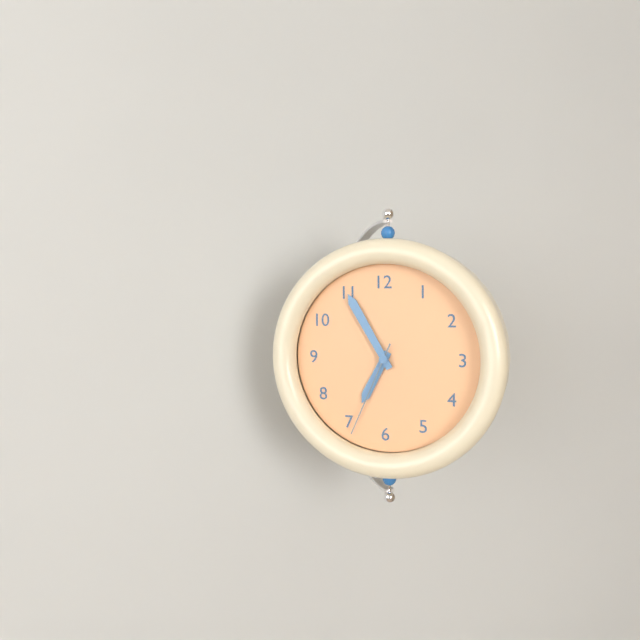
6:55:34
